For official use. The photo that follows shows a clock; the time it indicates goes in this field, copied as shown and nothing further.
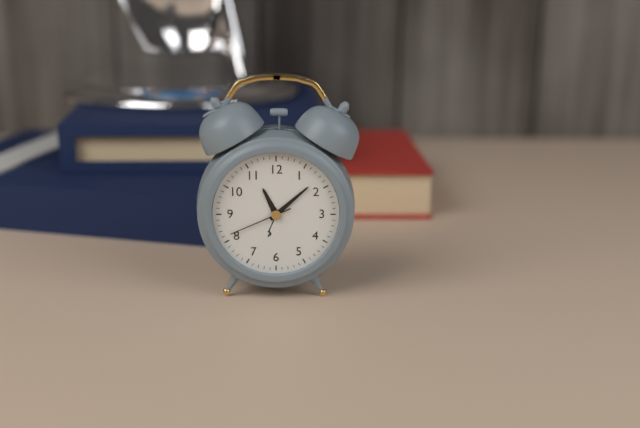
11:08:41
